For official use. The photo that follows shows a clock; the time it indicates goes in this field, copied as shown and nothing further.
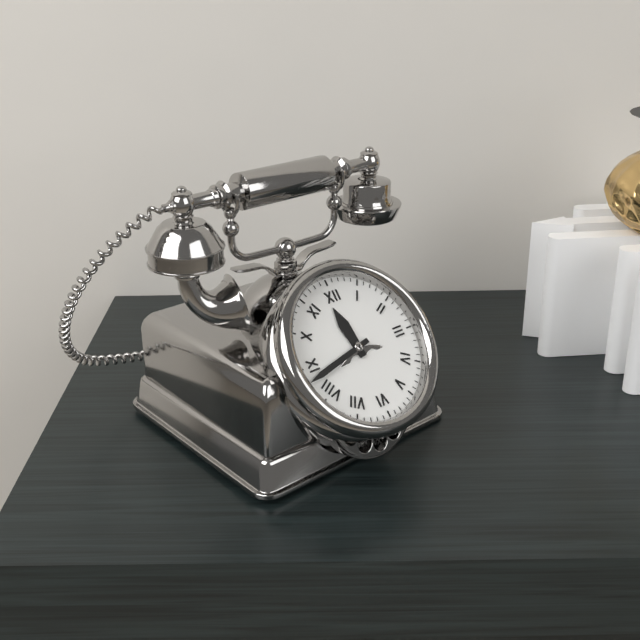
11:43
